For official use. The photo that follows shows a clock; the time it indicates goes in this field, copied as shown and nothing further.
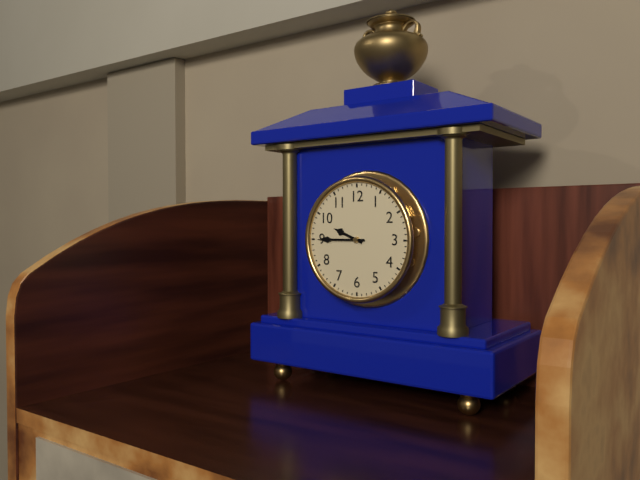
9:45
